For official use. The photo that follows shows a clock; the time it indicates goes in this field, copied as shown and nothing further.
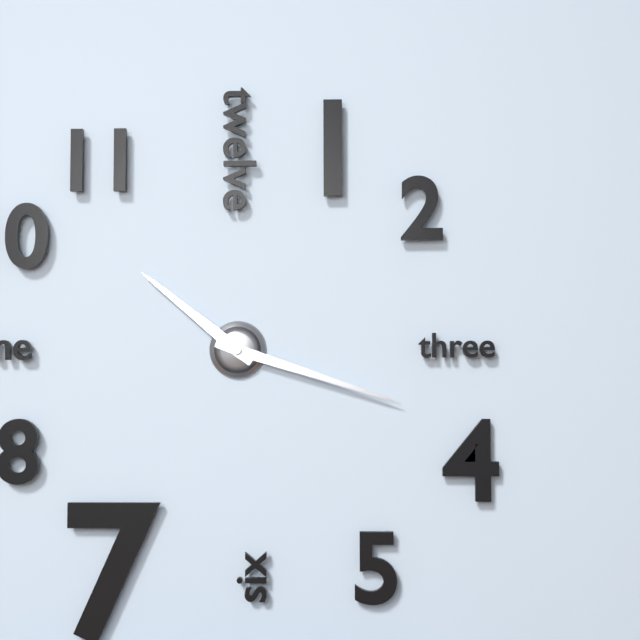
10:18
